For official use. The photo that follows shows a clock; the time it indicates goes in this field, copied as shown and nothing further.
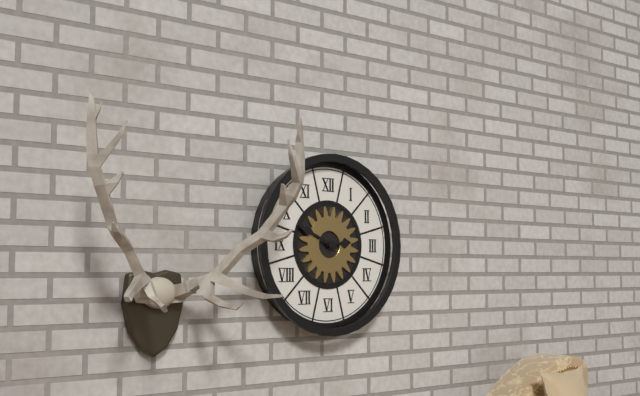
2:49
